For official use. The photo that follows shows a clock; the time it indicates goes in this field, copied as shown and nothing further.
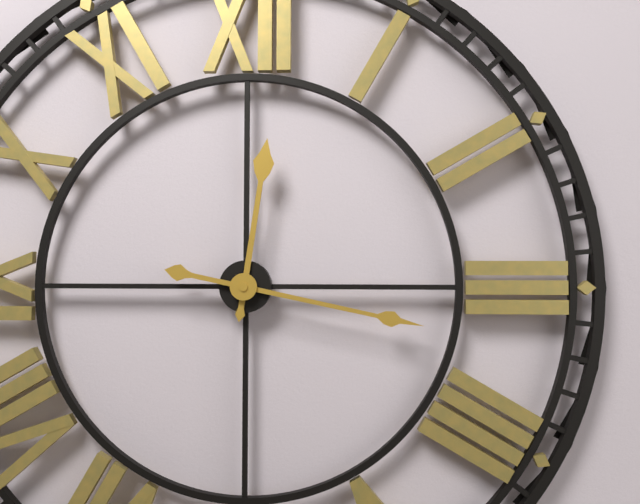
12:17
